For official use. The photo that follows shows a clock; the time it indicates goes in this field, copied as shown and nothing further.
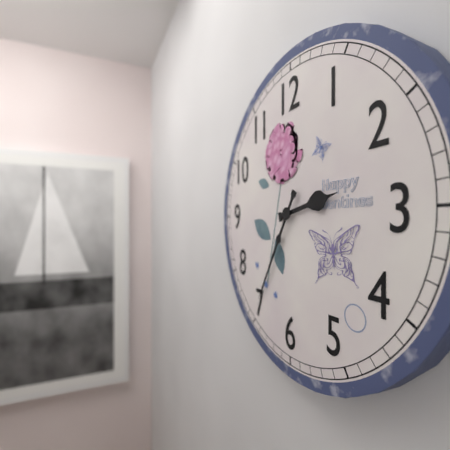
2:35
